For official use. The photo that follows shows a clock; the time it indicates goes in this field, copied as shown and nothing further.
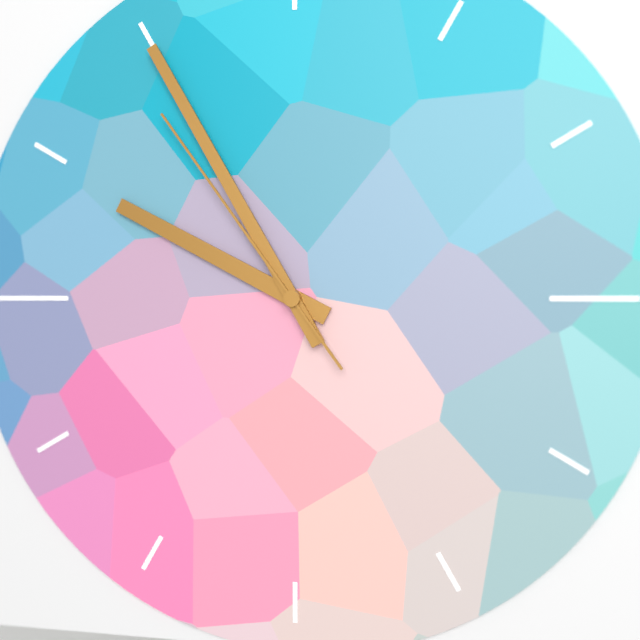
9:55:54
